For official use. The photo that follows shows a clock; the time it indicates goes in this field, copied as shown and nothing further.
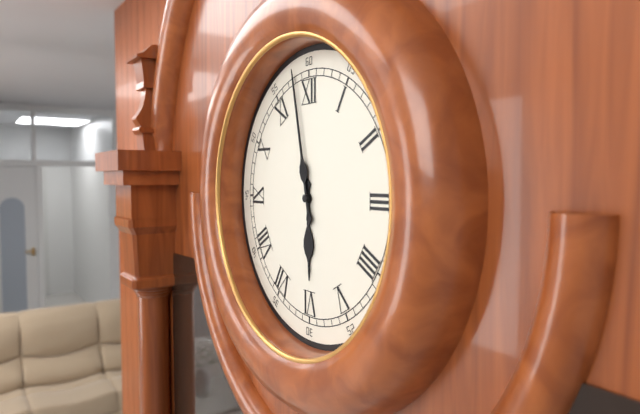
5:58
